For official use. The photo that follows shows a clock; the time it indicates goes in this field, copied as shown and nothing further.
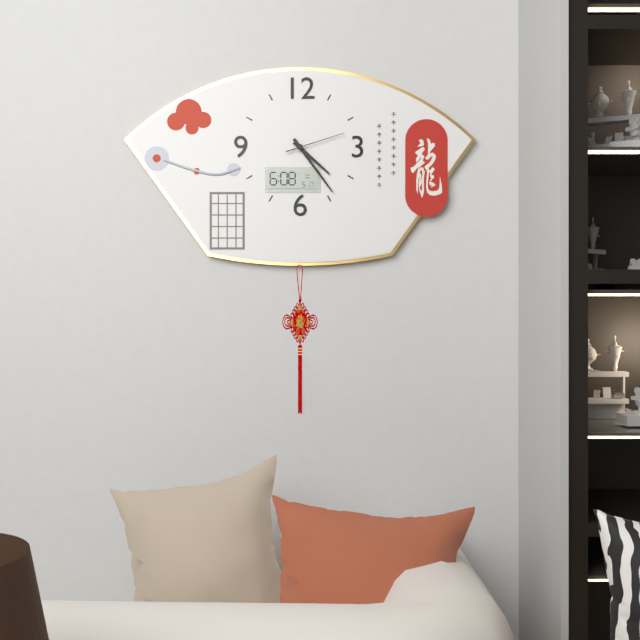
4:24:12
